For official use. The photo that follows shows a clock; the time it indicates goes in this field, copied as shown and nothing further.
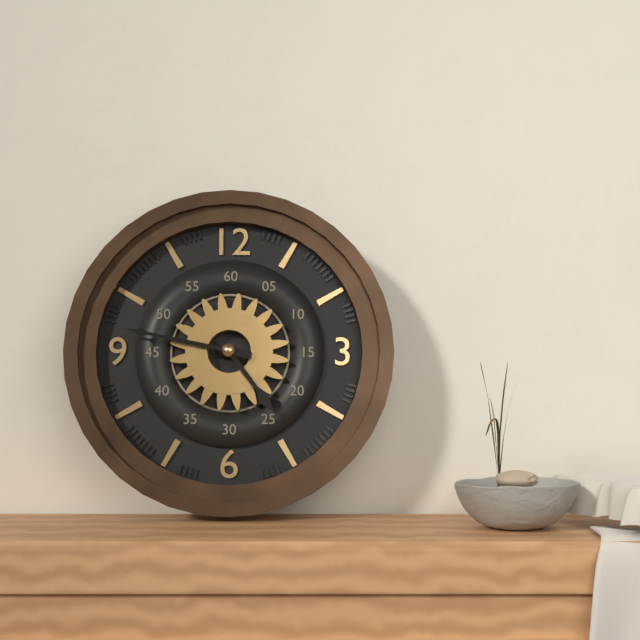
4:47
